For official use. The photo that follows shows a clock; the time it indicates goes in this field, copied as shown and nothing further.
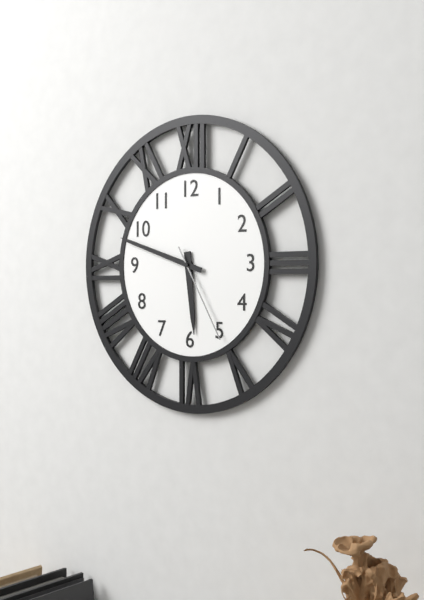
5:48:25
